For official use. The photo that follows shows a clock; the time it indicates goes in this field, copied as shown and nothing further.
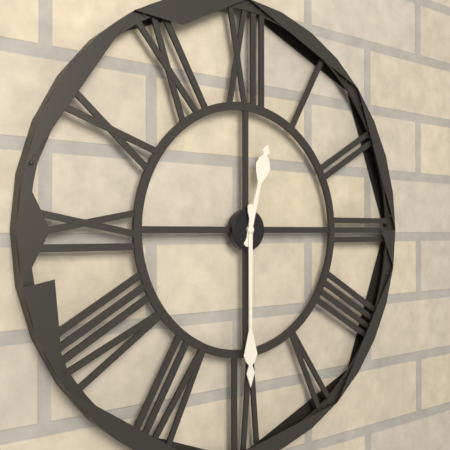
12:30
